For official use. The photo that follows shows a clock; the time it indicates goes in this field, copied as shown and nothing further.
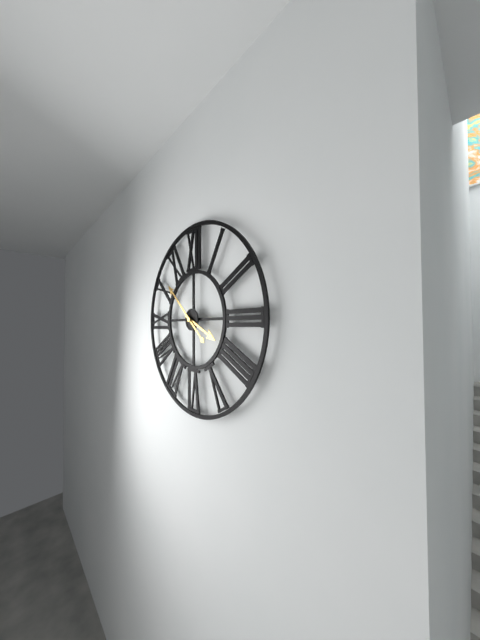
3:52
